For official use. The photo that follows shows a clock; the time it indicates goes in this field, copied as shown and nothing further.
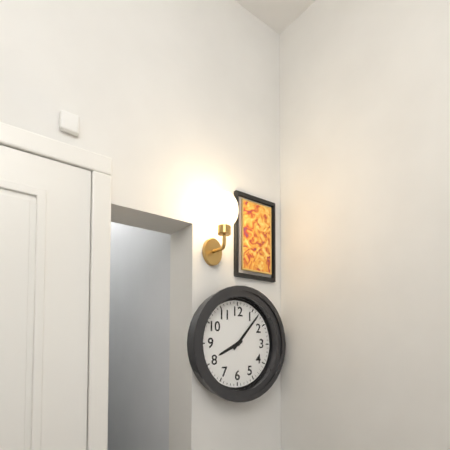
8:07
